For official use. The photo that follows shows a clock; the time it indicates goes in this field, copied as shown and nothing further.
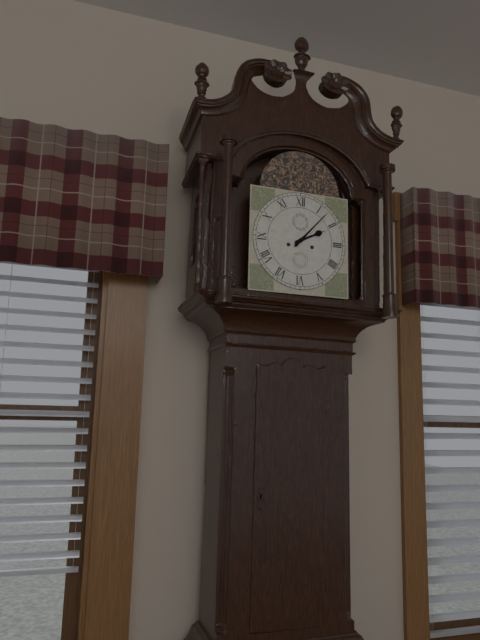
2:07
